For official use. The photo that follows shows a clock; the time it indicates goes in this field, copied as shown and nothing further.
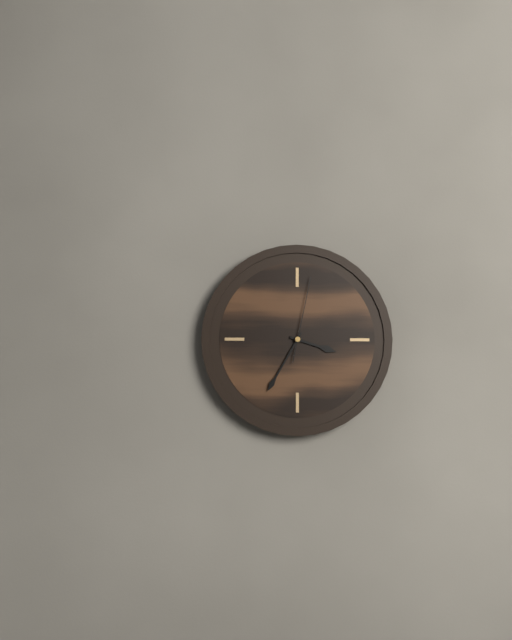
3:35:02
